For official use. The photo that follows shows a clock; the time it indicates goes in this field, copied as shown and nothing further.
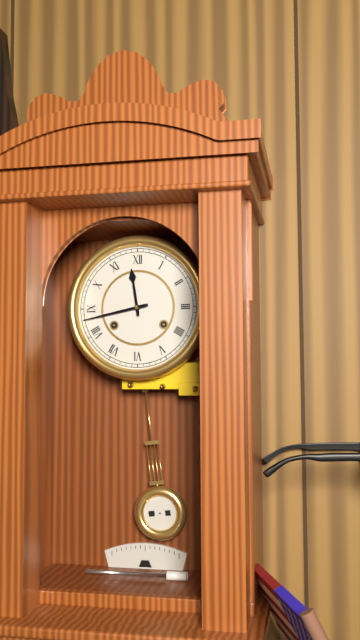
11:43
